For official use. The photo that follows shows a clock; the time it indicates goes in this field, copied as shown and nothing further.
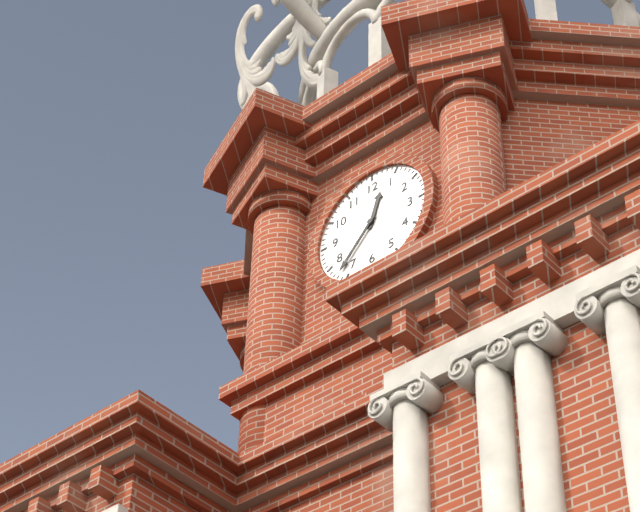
12:37
